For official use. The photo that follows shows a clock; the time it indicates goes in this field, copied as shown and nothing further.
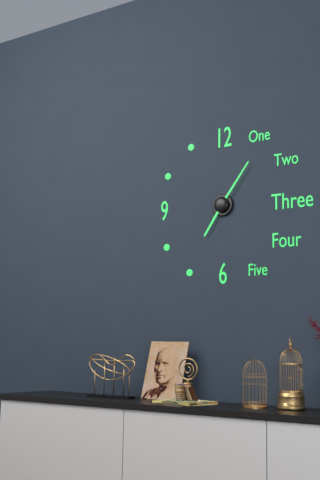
7:06
